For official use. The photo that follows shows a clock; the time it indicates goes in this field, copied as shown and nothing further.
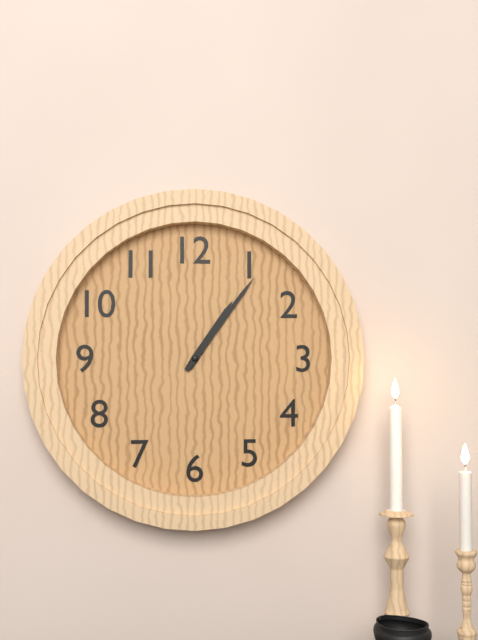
1:06
